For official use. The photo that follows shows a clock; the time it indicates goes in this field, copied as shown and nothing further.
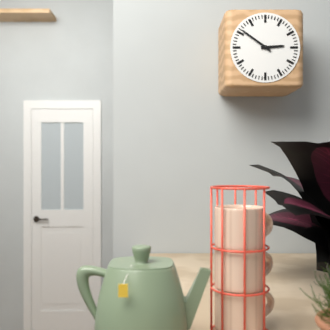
2:51
